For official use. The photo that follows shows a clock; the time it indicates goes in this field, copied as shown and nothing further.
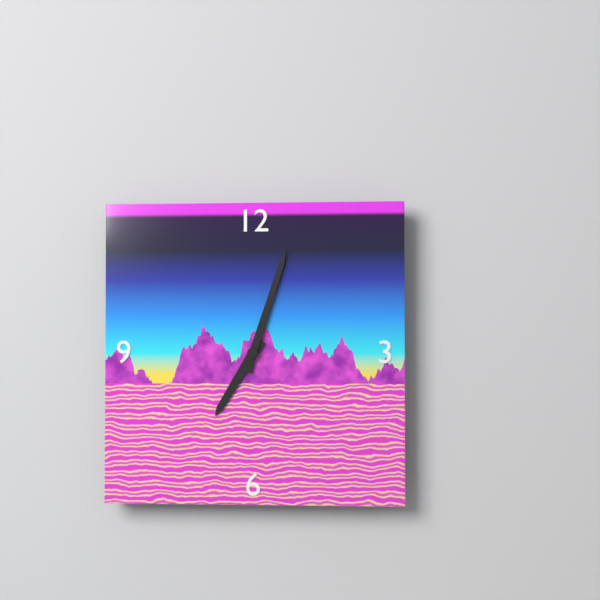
7:03
